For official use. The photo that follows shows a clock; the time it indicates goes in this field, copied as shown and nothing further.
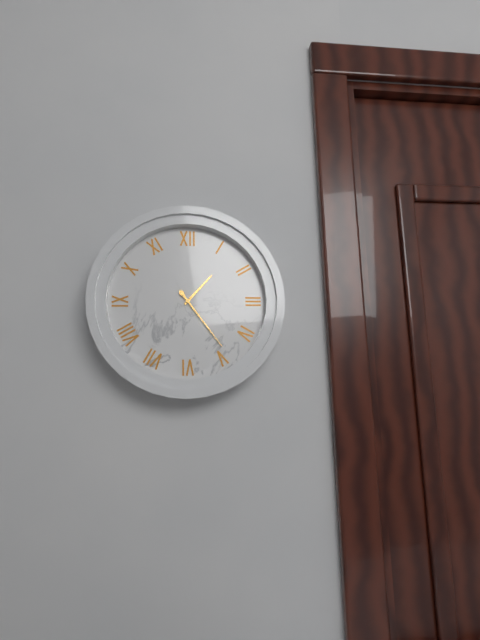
1:24
